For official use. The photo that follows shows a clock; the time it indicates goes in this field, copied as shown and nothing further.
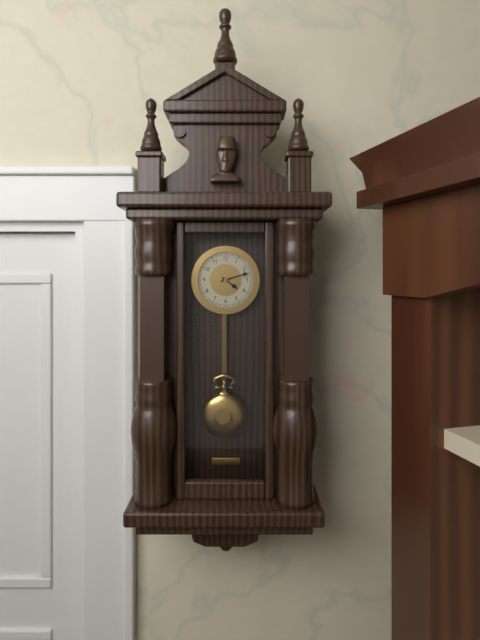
4:12
